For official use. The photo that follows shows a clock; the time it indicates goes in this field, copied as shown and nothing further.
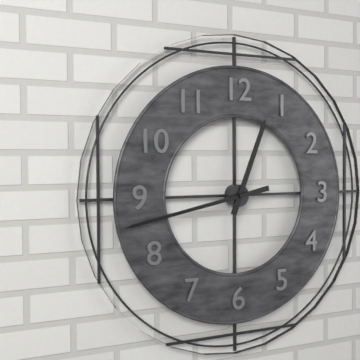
12:43
